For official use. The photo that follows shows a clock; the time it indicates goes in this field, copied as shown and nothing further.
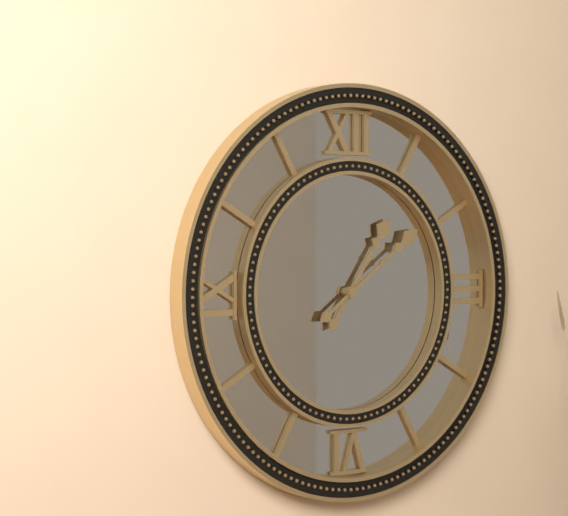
1:09
